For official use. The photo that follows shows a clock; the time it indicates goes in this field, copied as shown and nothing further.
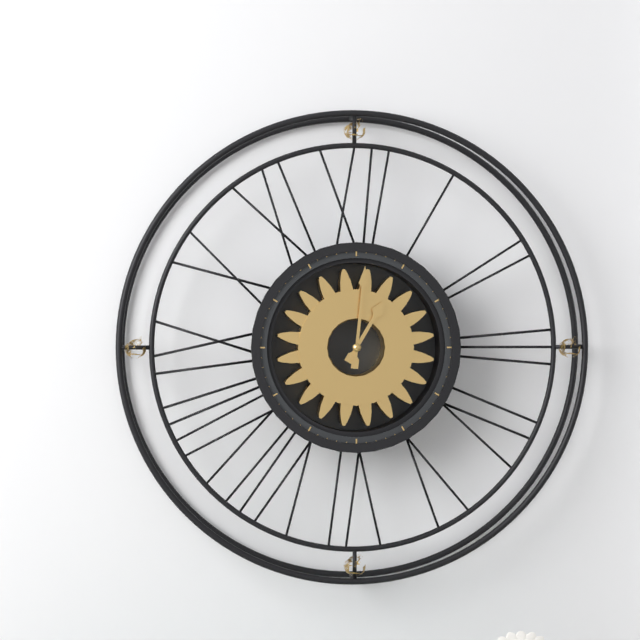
1:01
